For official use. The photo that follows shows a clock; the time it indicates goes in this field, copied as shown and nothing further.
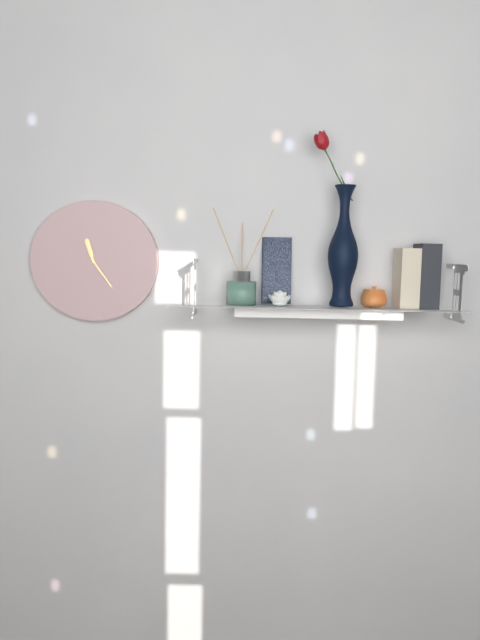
11:24
